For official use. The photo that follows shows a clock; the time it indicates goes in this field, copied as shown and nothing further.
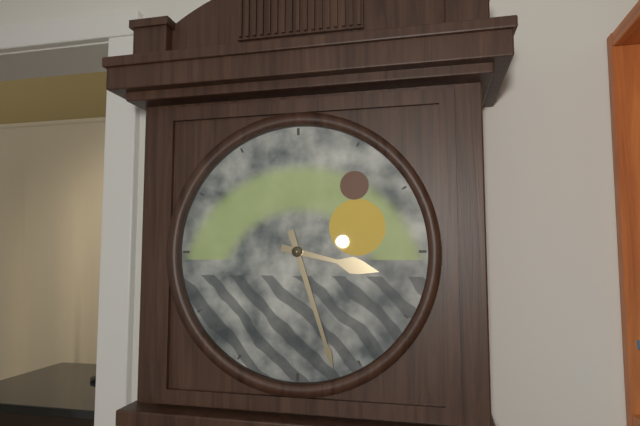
3:27
